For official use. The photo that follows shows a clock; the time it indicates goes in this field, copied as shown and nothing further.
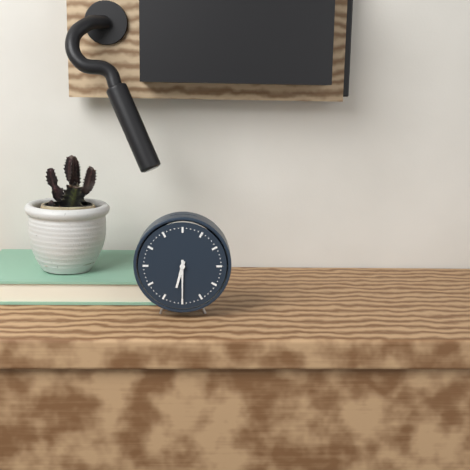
6:30
